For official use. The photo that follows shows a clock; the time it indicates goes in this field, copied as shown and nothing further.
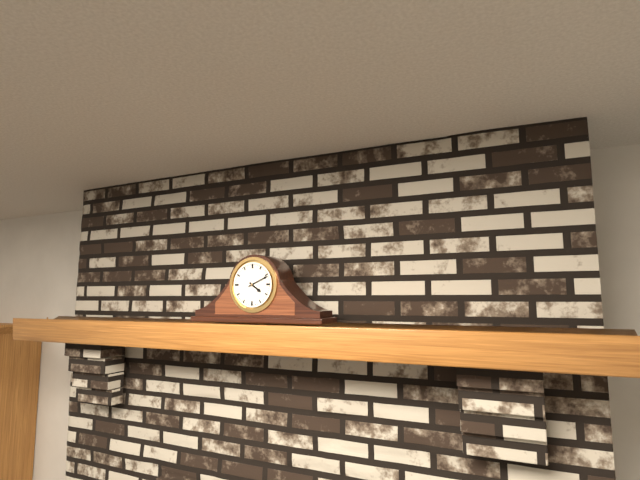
4:11
